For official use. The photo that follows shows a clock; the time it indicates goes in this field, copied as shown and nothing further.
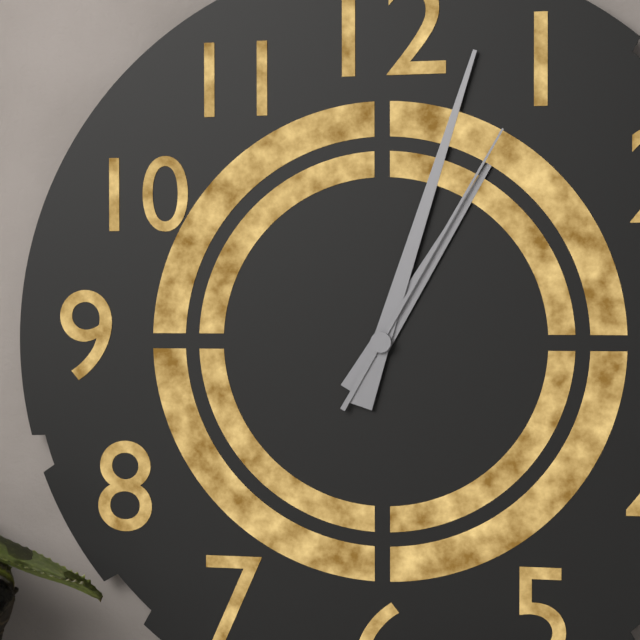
1:03:05
